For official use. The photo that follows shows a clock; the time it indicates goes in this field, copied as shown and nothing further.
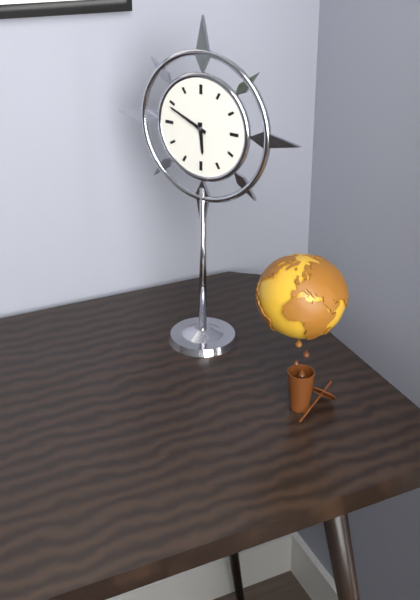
5:49
